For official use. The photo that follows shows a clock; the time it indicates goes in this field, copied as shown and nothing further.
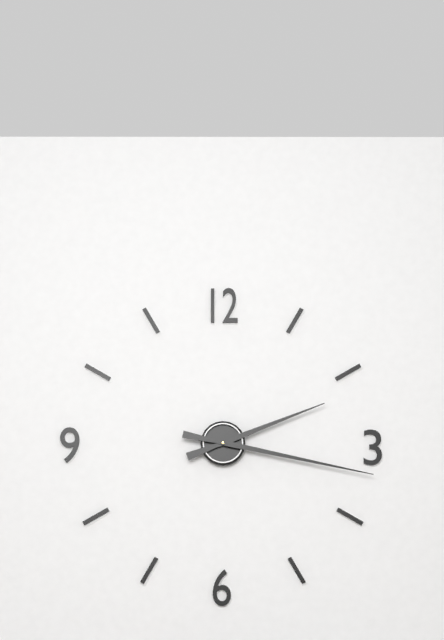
2:17
